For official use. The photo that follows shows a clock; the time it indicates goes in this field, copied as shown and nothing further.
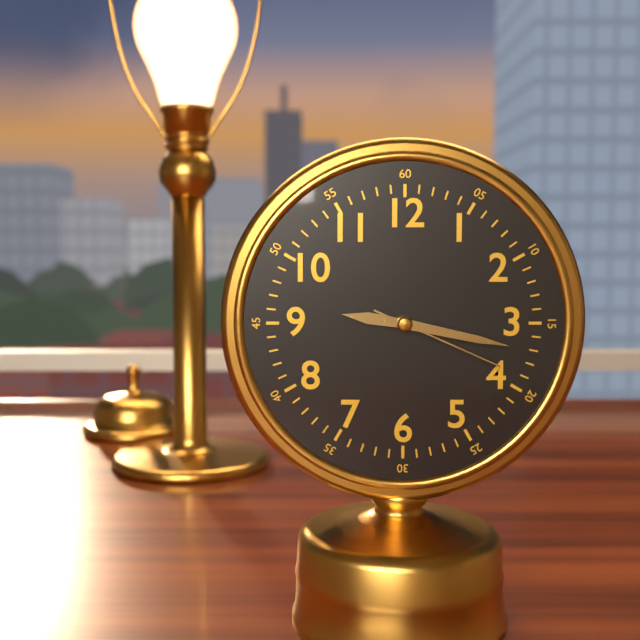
9:17:19
